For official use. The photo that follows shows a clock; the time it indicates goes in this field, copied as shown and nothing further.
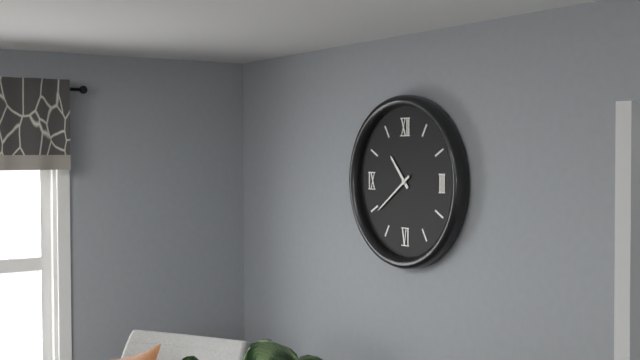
10:39
